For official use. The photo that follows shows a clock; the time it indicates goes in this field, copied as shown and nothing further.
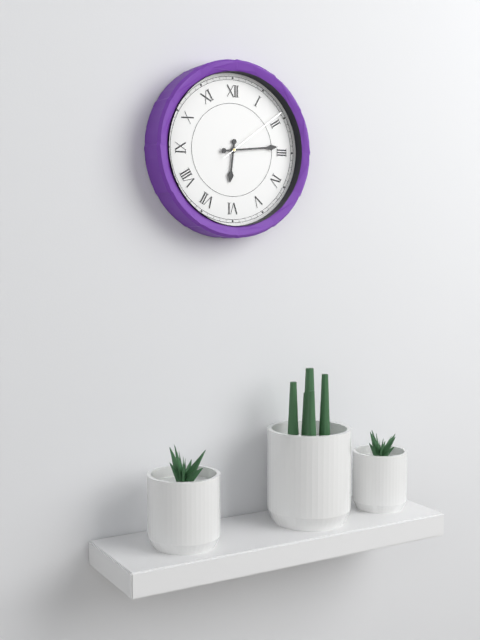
6:14:09
